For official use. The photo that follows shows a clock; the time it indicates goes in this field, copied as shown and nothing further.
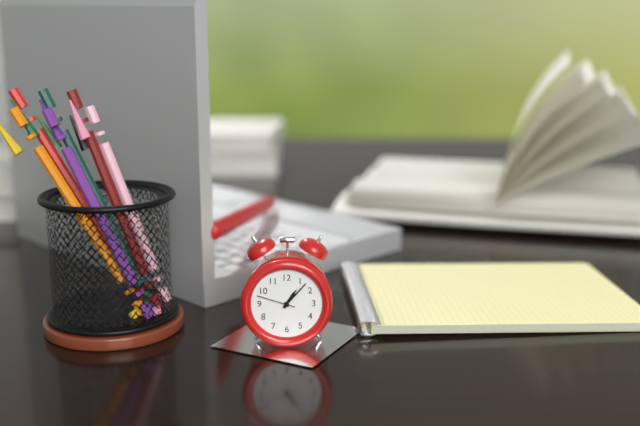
1:07
